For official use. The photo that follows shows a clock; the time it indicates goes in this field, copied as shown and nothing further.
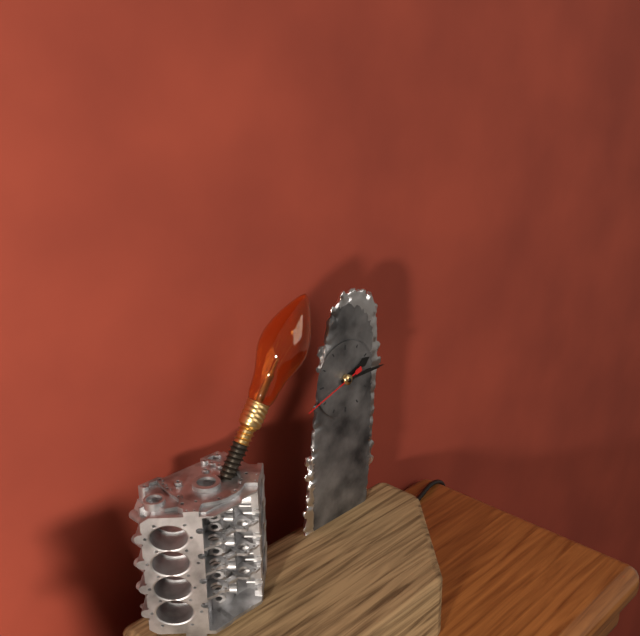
2:15:42
